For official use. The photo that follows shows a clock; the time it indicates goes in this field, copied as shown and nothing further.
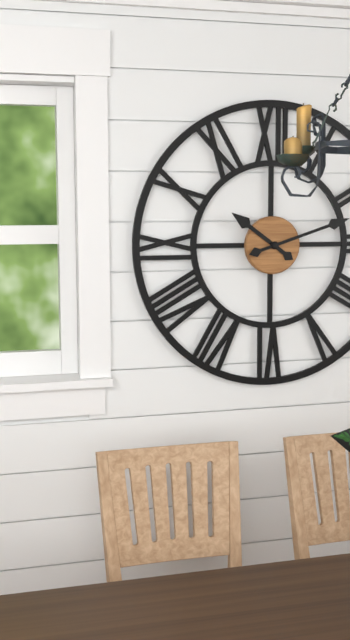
10:12
